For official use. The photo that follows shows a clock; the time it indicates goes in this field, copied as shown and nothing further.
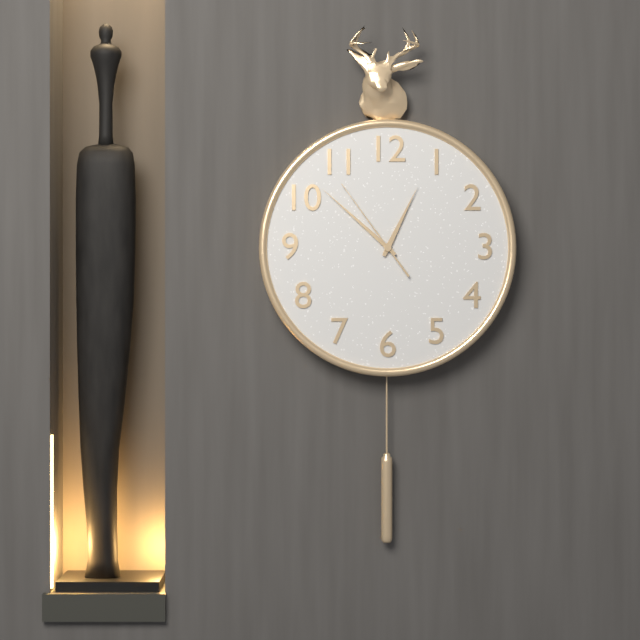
12:52:54
